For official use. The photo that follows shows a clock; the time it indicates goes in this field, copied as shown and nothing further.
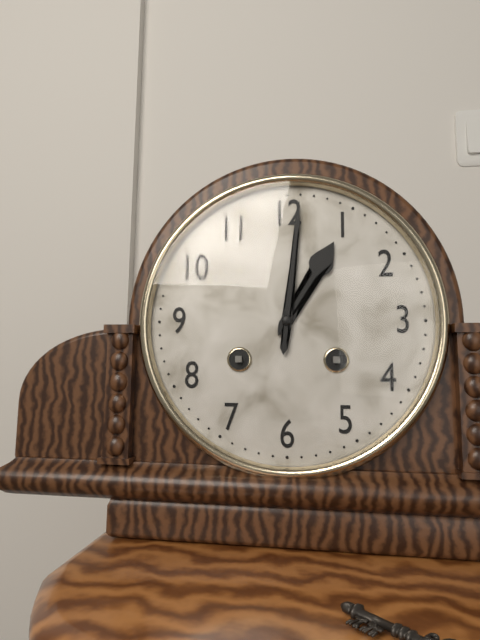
1:01
